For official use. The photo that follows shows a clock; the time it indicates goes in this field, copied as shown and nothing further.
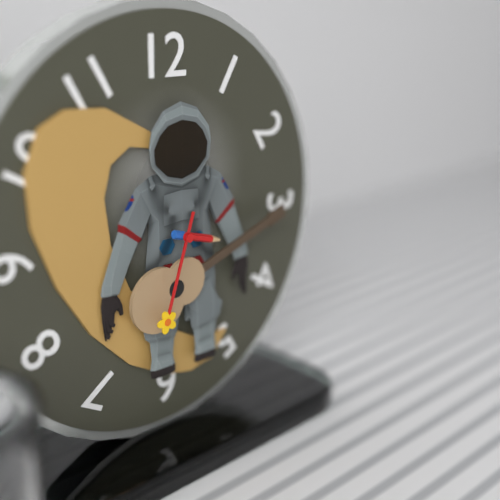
3:33
